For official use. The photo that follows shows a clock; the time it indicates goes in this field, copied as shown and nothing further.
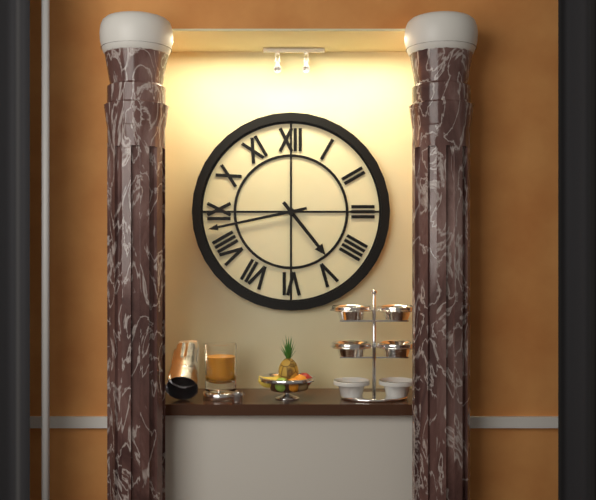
4:43
